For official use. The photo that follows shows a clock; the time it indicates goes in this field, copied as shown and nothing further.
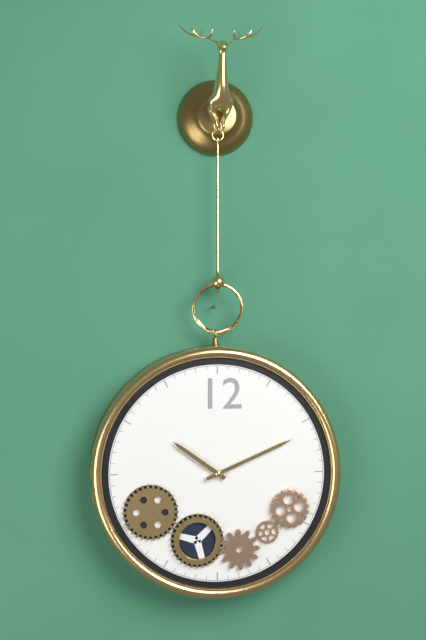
10:11
